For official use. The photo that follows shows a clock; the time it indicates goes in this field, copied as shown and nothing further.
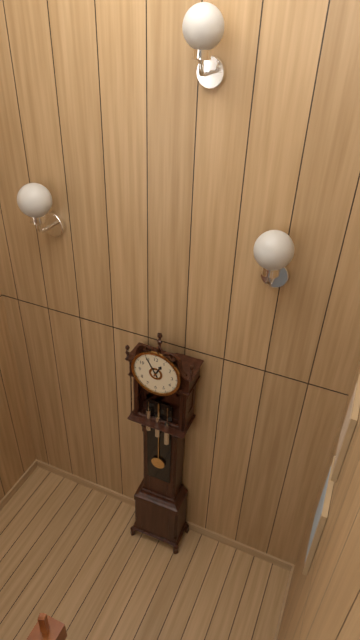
12:55
